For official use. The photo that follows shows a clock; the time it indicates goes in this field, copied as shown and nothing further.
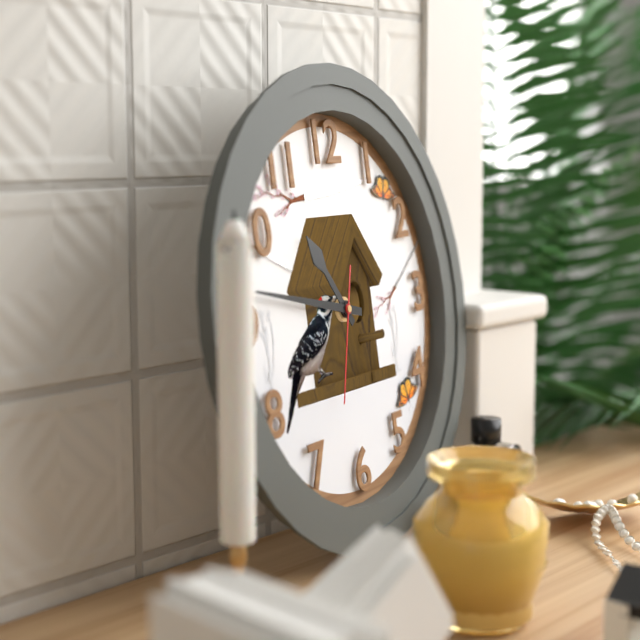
10:47:33
